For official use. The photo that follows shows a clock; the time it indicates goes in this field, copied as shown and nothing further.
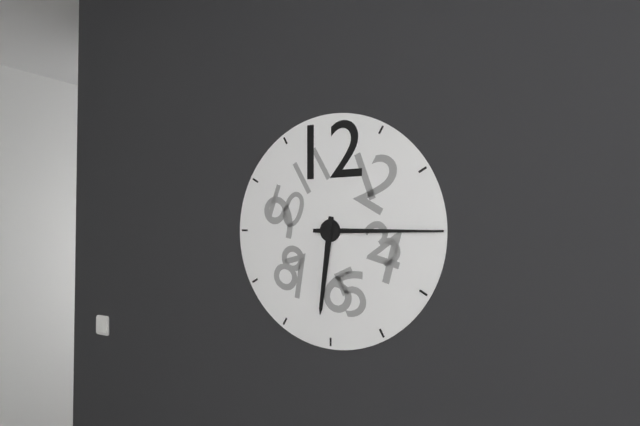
6:15
